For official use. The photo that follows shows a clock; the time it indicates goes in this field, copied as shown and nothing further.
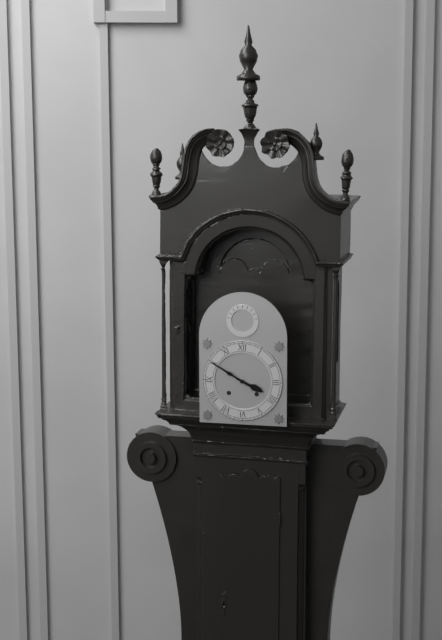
3:50
